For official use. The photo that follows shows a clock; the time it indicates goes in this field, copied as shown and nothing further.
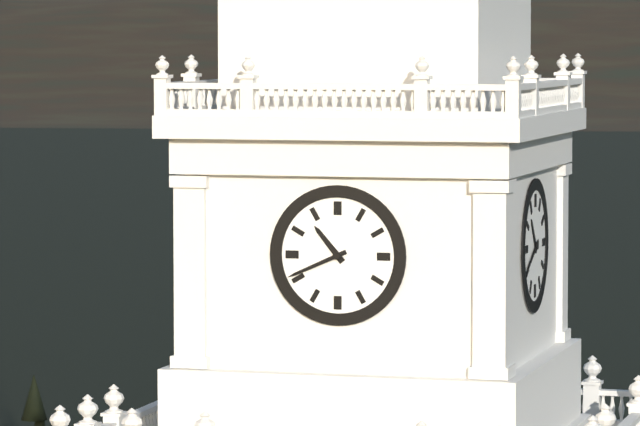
10:41
